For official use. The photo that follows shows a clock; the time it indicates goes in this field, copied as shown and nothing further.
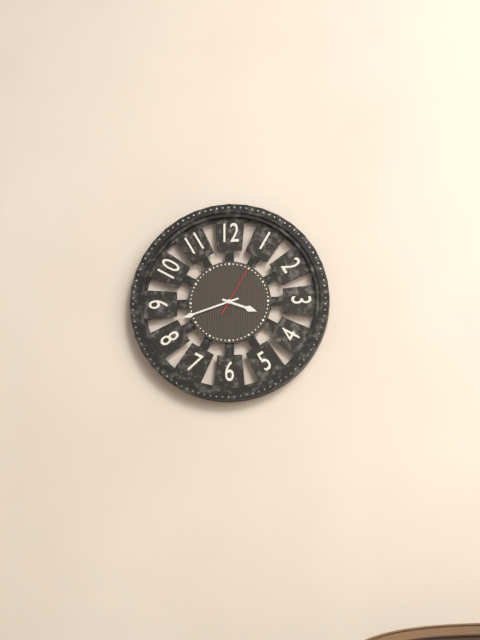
3:42:05
